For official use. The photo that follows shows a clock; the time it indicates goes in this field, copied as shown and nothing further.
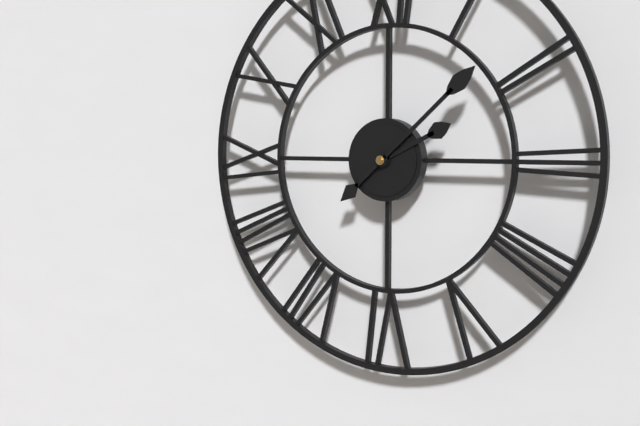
2:08
